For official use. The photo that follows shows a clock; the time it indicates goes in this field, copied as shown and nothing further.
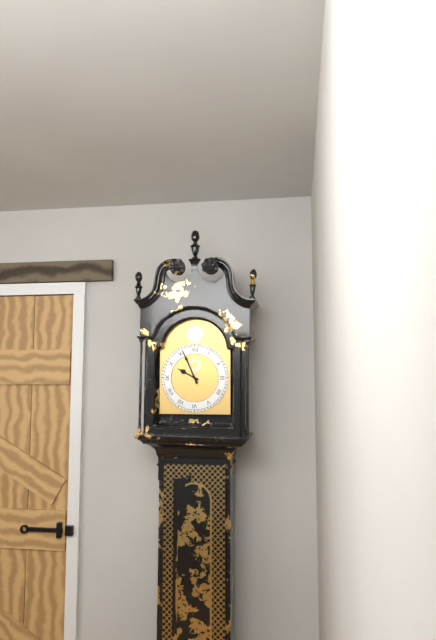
9:56
